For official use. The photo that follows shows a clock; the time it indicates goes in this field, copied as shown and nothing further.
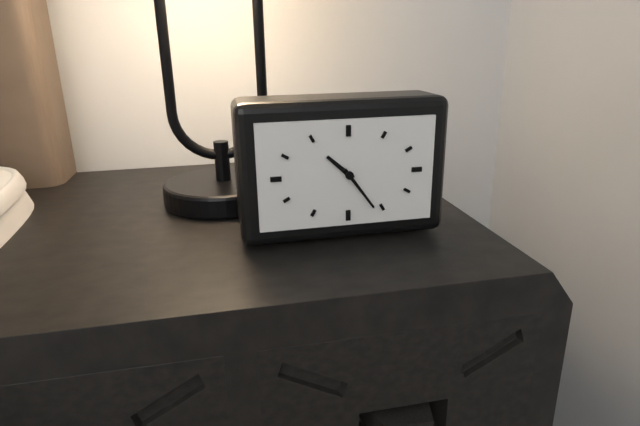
10:24
